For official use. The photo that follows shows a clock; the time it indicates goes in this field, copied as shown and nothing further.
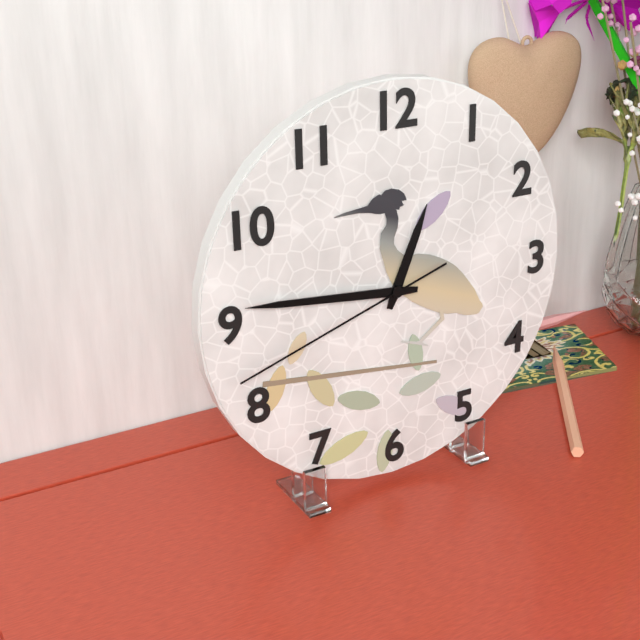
12:46:42
